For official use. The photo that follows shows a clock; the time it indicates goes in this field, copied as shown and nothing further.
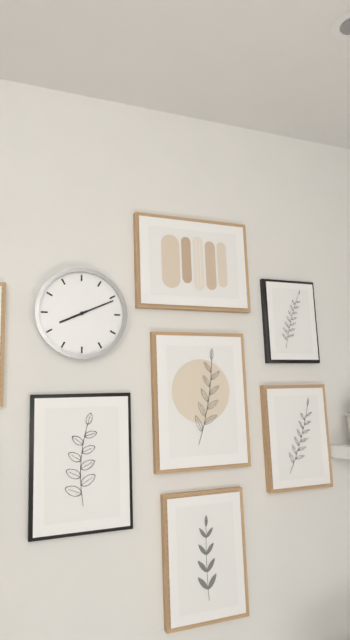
8:11
